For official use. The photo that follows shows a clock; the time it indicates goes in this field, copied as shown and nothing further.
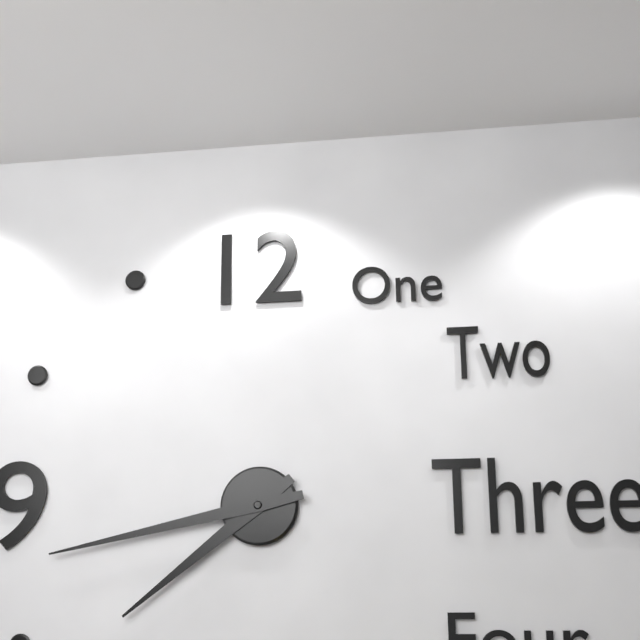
7:43
